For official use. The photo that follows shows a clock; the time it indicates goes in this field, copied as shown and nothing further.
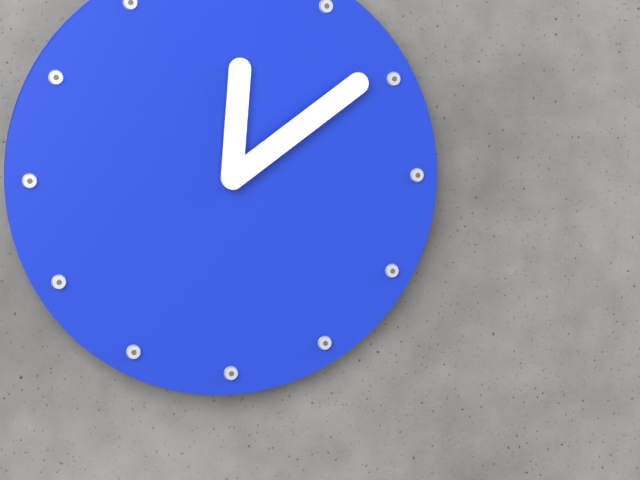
12:09
